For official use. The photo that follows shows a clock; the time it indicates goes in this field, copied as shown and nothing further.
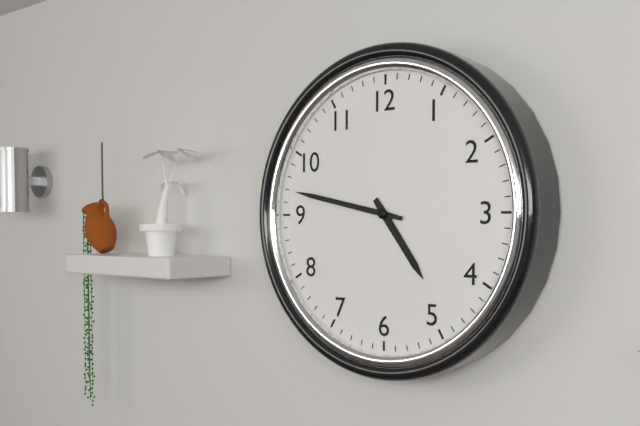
4:47
